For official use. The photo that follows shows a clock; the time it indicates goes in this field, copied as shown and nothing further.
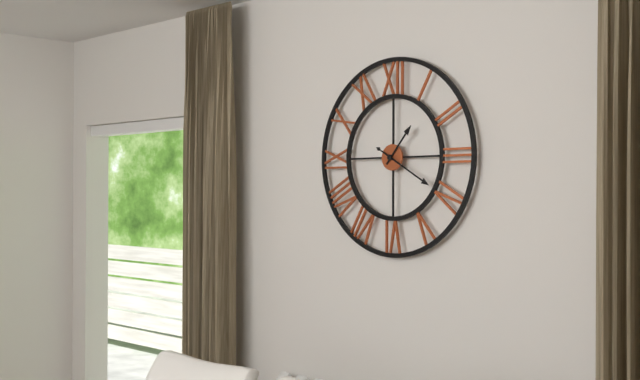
1:20
